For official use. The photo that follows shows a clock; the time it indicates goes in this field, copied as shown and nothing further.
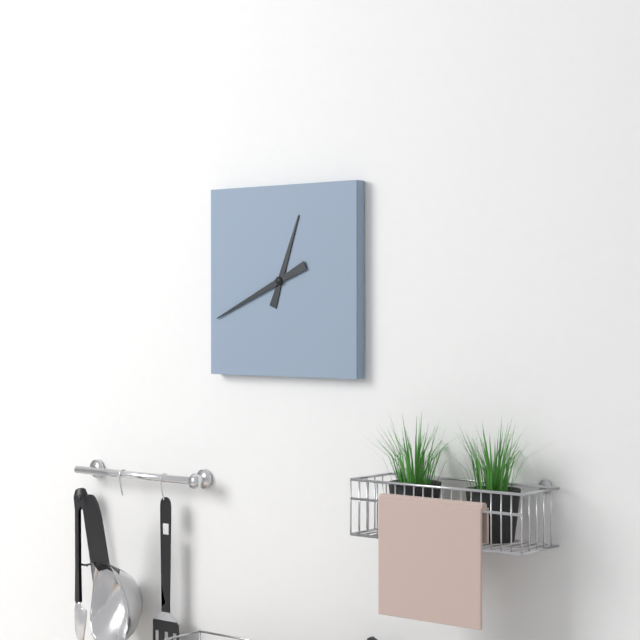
12:41
